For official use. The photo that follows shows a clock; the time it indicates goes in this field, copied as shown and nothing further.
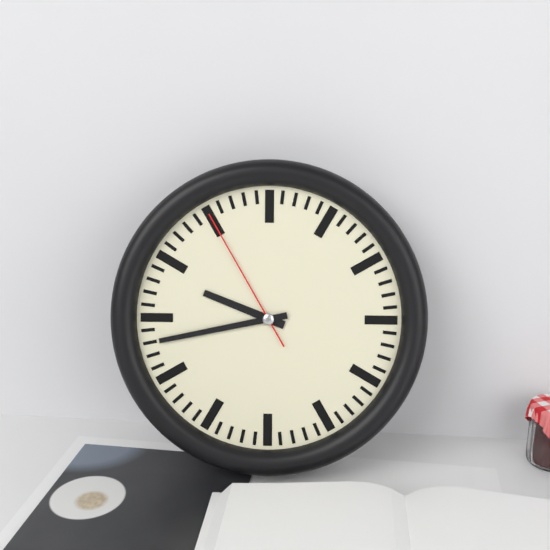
9:43:55
